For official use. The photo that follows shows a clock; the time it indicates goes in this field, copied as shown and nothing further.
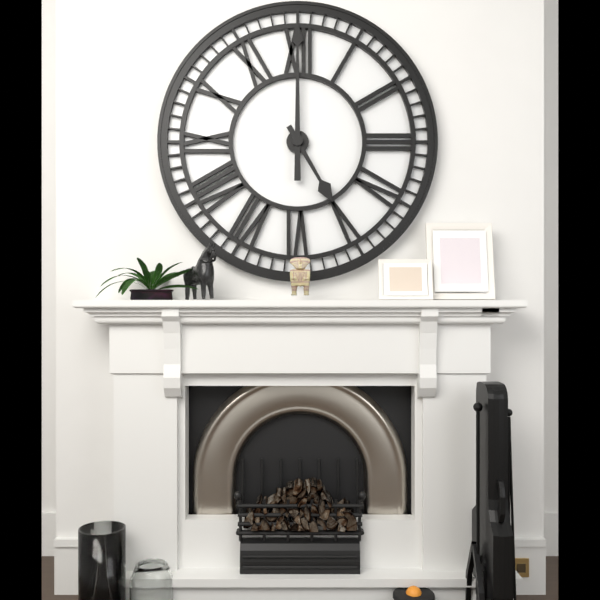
5:00
